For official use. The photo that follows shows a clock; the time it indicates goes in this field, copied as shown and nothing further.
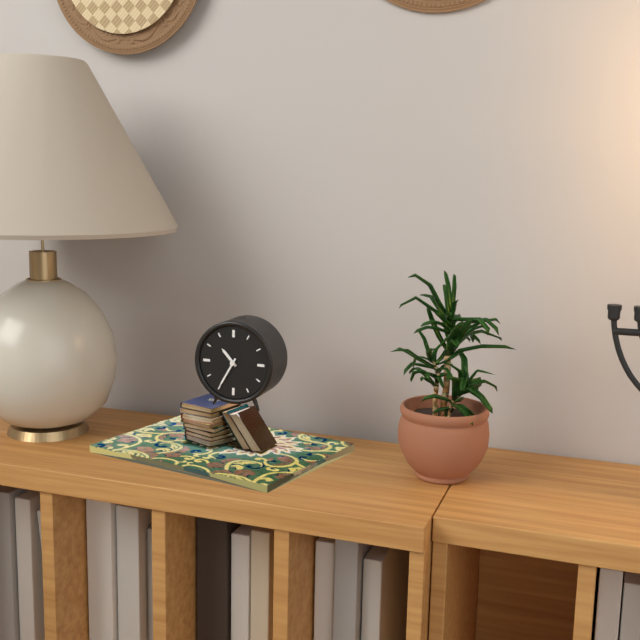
10:35
